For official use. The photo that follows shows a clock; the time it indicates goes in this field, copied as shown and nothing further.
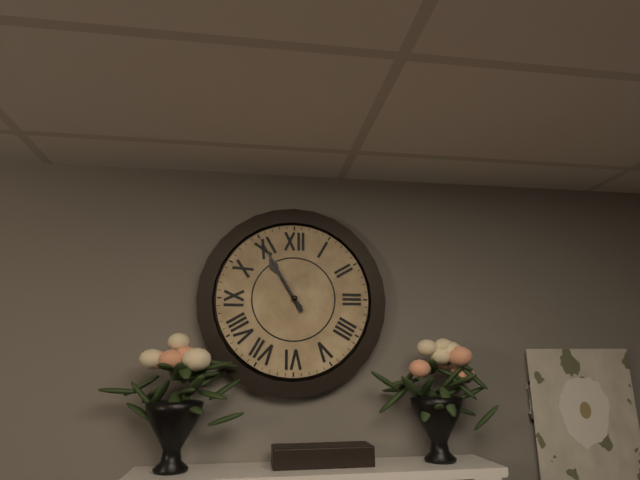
10:55
